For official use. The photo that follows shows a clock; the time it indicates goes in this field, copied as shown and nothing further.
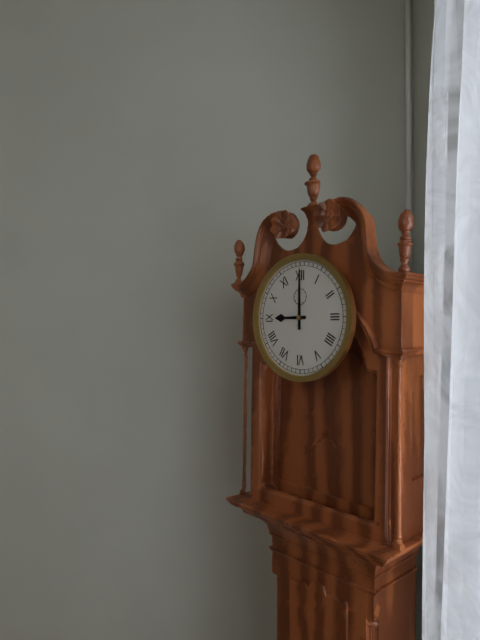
9:00
